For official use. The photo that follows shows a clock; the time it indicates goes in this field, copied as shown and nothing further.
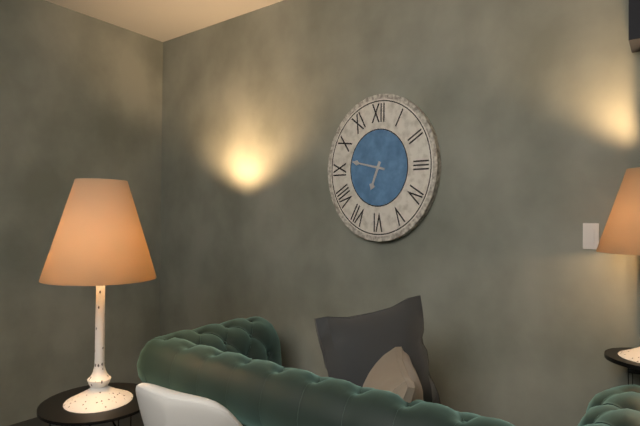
6:47
